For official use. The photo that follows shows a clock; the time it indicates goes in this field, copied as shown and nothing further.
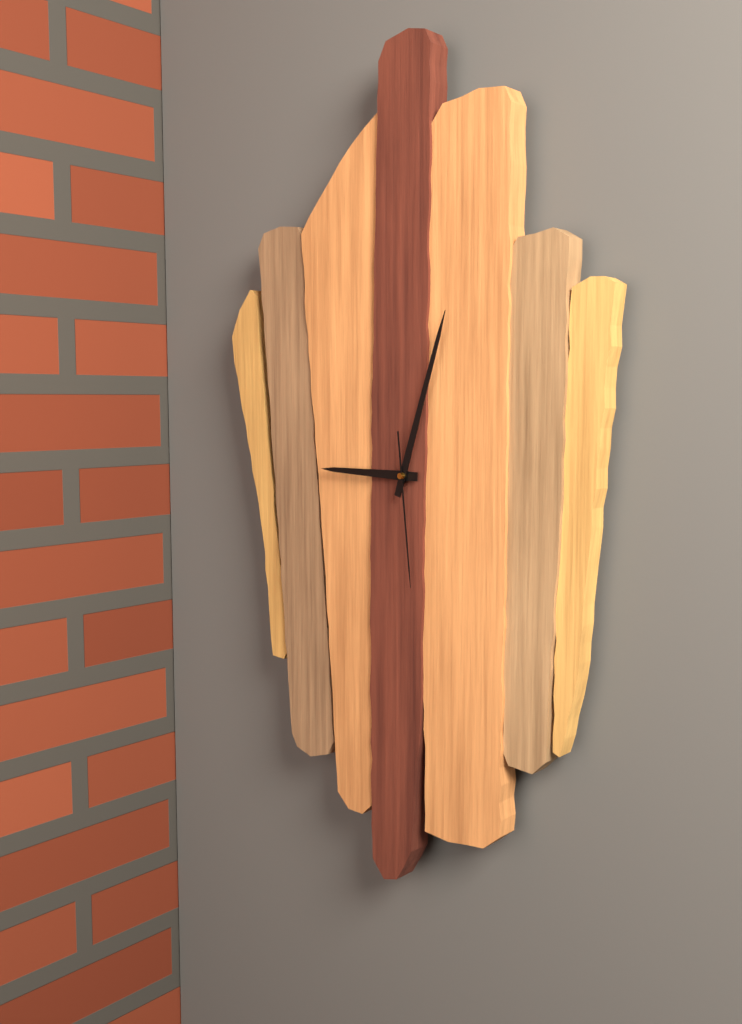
9:03:29
